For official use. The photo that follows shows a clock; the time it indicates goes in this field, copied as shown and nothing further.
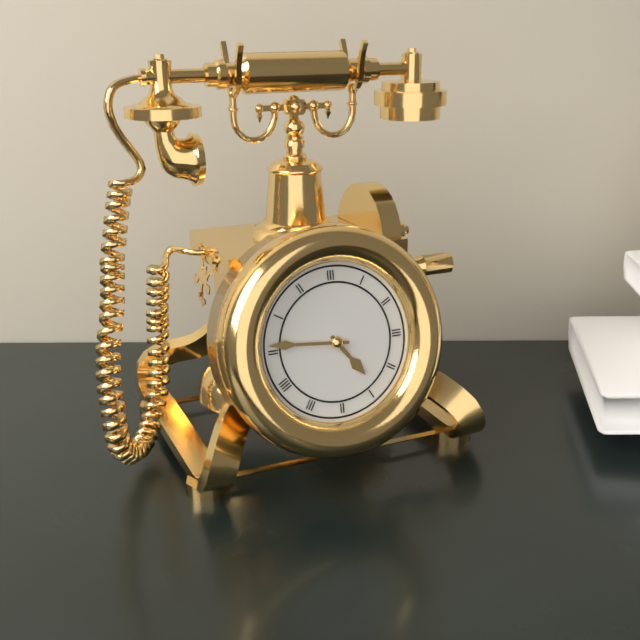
4:46
